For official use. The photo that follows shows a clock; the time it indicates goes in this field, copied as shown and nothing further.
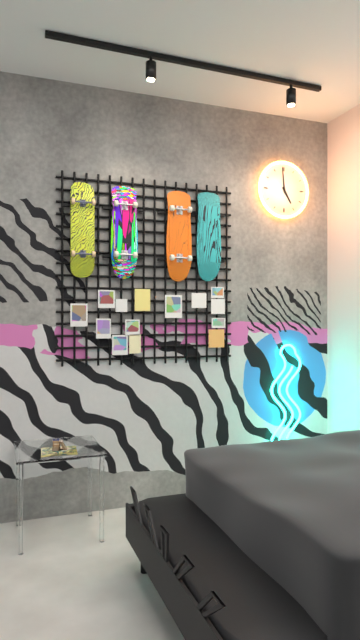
4:59
